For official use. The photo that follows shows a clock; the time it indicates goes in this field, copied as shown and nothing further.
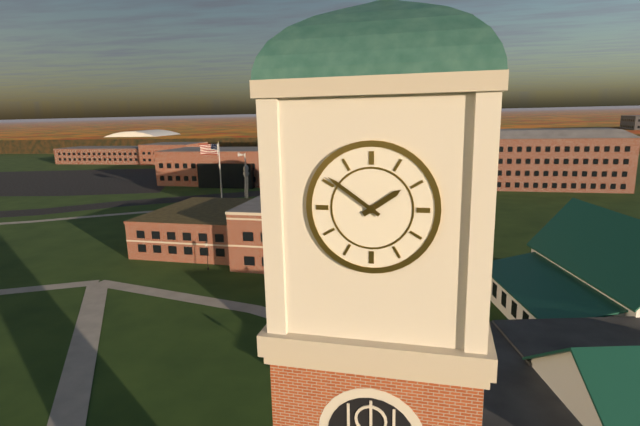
1:51
